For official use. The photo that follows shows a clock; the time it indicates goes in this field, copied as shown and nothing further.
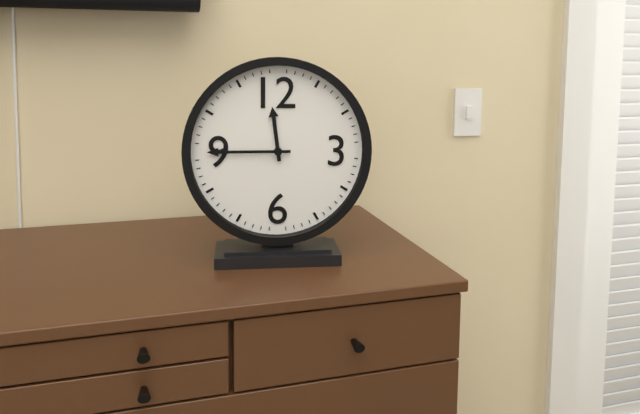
11:45
